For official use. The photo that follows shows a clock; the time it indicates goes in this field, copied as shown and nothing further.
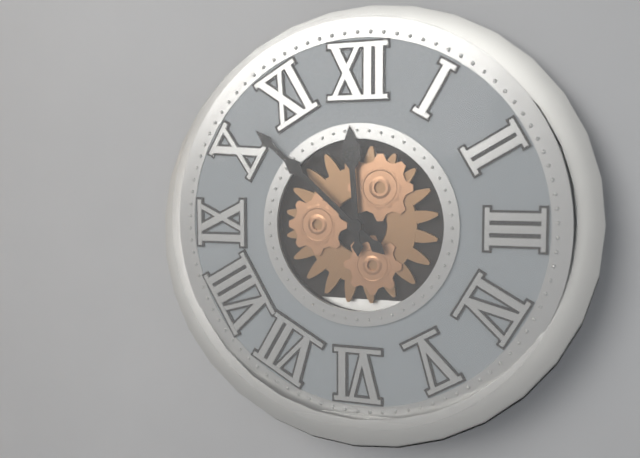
11:52
